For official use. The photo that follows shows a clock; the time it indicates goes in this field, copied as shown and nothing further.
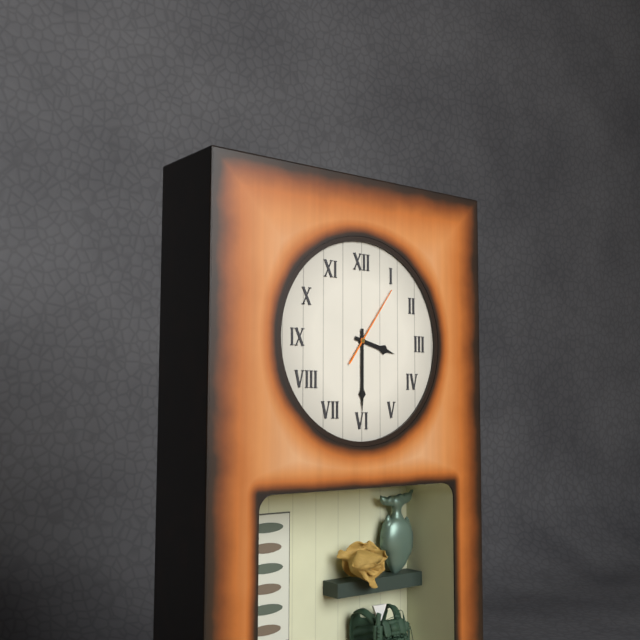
3:30:06
